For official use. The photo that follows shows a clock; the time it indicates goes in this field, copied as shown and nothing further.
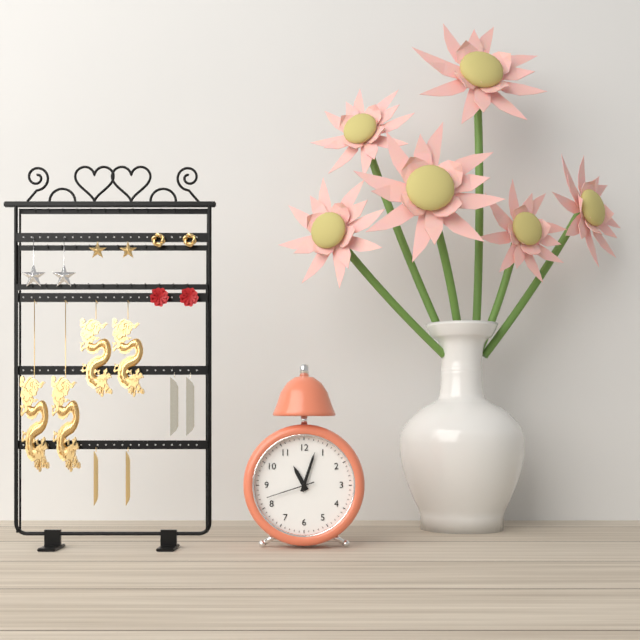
11:03
